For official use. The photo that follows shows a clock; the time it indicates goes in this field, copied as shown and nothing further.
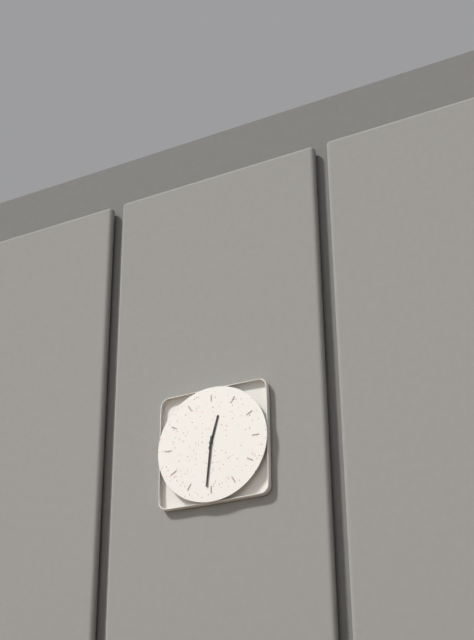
12:31
